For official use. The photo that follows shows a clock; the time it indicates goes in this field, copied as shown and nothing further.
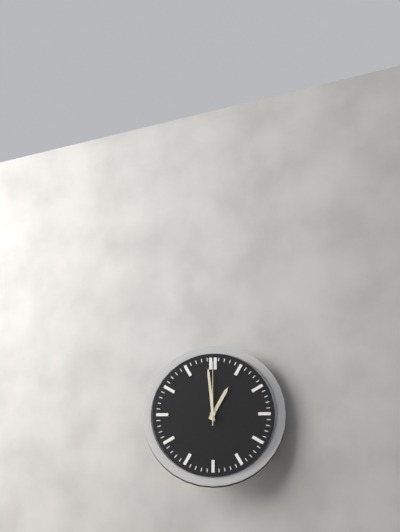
12:59:00
